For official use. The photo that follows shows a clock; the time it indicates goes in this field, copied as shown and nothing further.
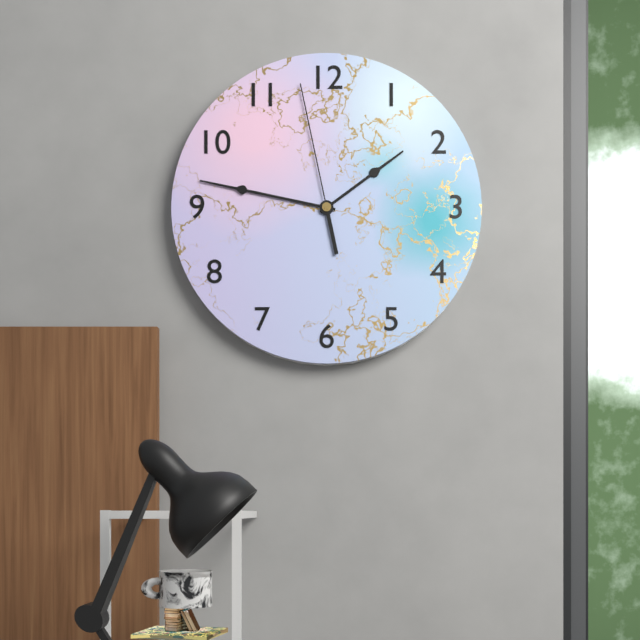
1:47:58
